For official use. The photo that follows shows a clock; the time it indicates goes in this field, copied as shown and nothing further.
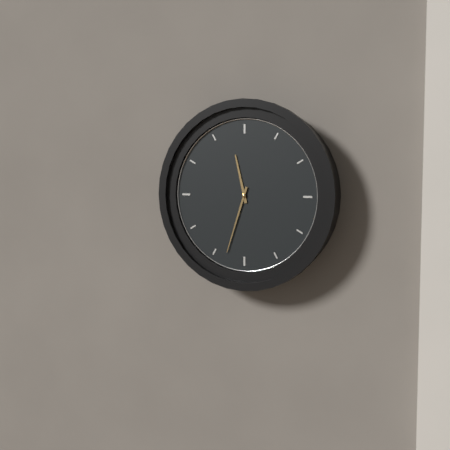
11:33
